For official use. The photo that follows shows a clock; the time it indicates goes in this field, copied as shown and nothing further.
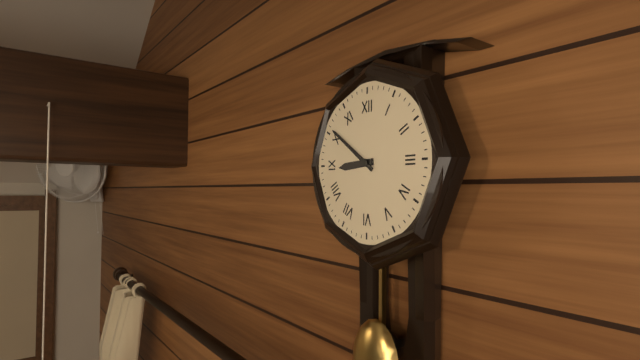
8:51
